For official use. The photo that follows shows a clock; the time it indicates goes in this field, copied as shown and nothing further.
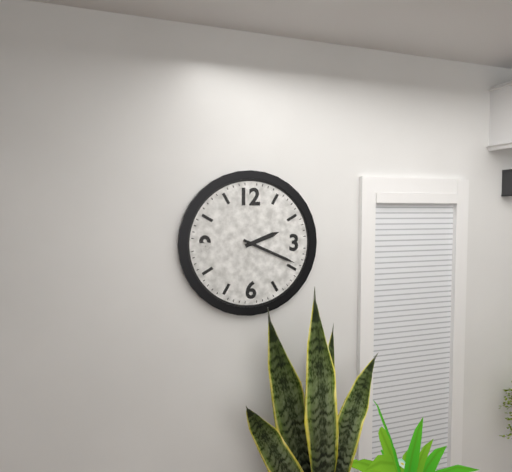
2:19
